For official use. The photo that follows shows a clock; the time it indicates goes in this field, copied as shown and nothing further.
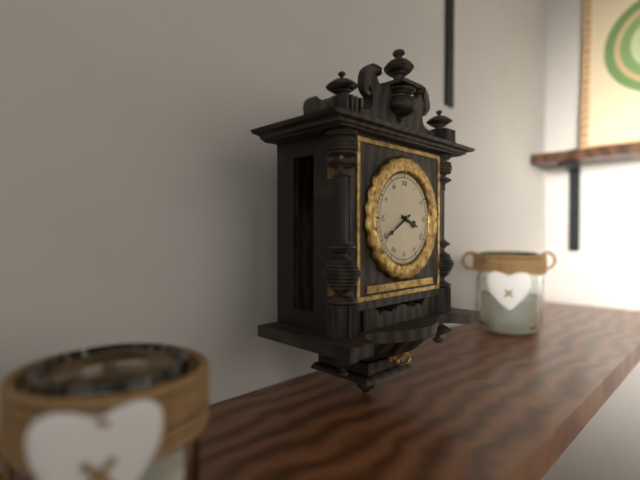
3:40
